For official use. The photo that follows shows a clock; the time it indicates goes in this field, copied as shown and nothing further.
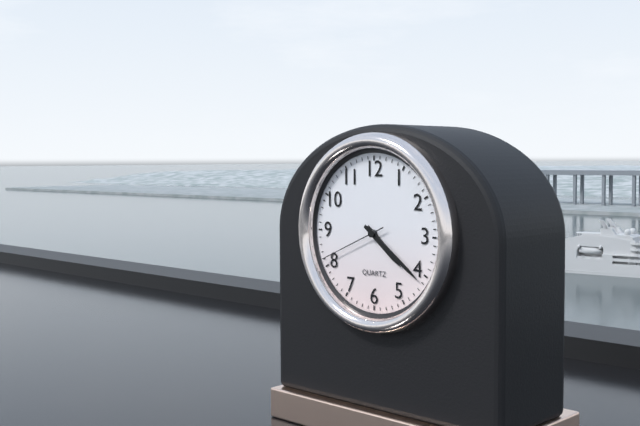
4:21:41
